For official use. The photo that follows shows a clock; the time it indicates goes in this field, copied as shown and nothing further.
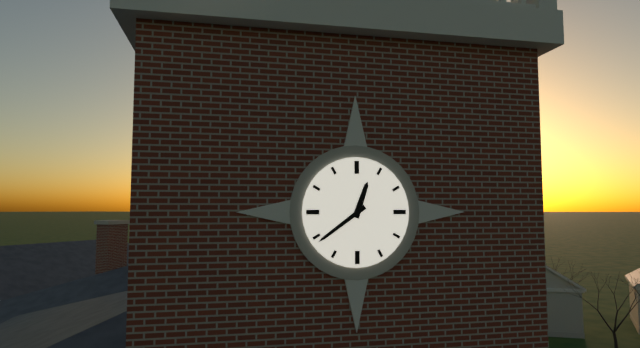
12:39
